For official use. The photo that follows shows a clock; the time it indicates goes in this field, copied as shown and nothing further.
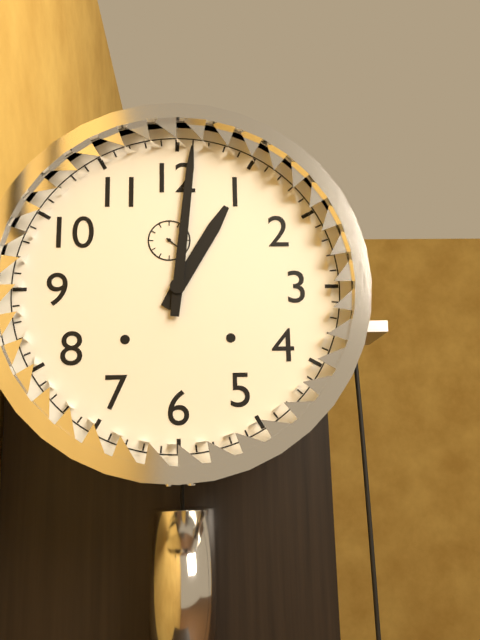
1:01
